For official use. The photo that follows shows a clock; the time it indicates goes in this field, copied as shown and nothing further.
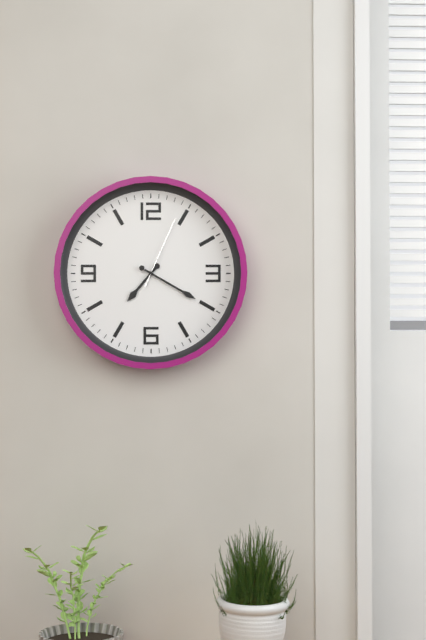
7:20:04
